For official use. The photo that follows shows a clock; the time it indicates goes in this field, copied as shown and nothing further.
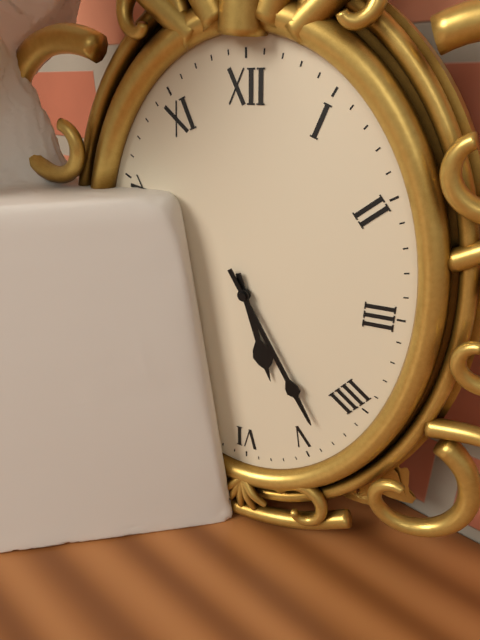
5:25
